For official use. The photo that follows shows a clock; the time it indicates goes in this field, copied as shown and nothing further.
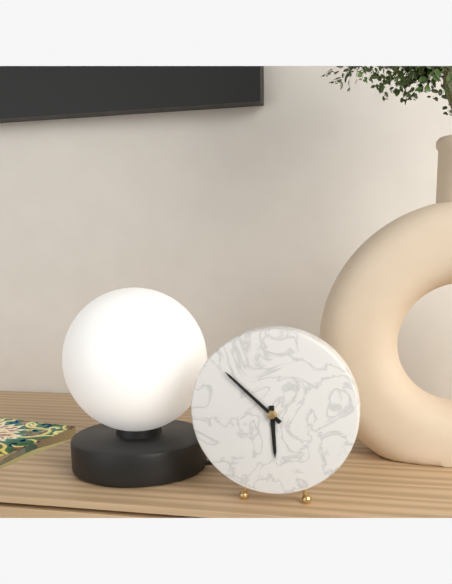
5:52
